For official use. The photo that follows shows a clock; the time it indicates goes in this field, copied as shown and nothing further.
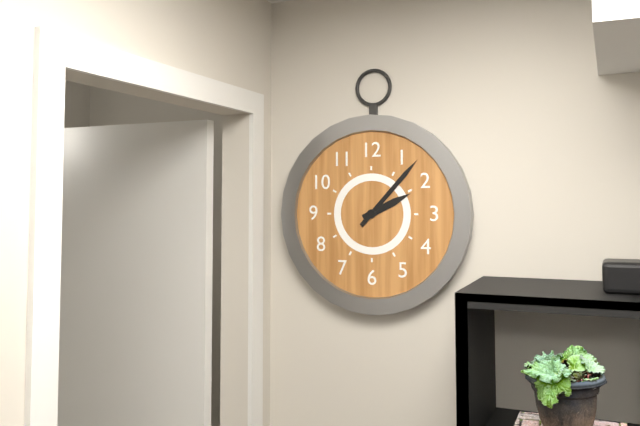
2:07
